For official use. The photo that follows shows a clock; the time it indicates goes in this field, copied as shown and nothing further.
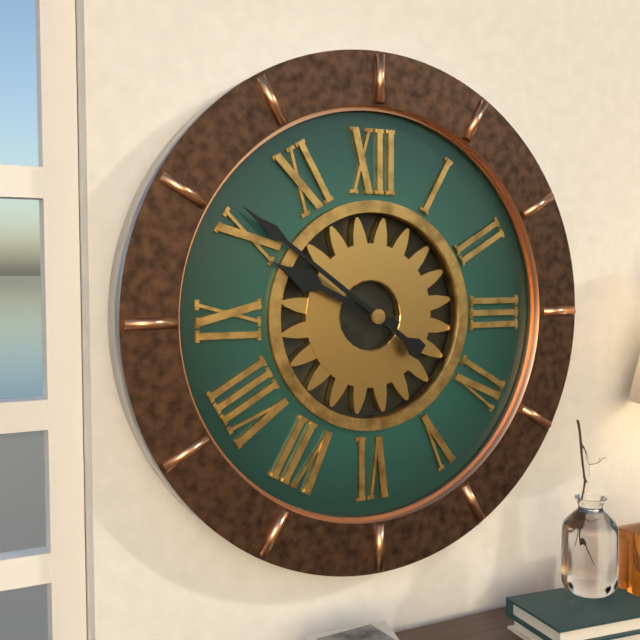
9:51
